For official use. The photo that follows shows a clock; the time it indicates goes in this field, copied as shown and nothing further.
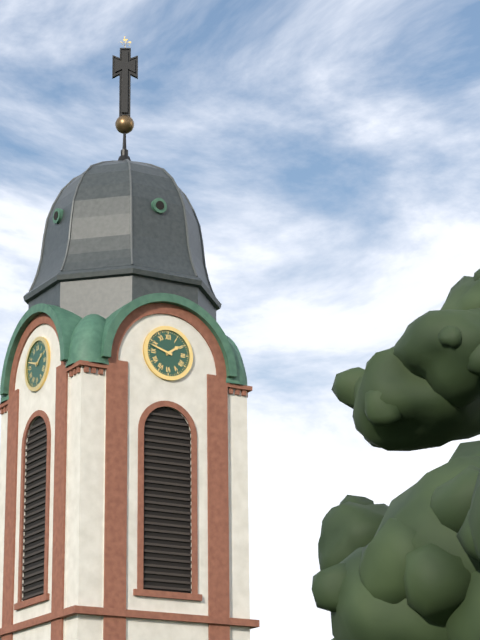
1:48
